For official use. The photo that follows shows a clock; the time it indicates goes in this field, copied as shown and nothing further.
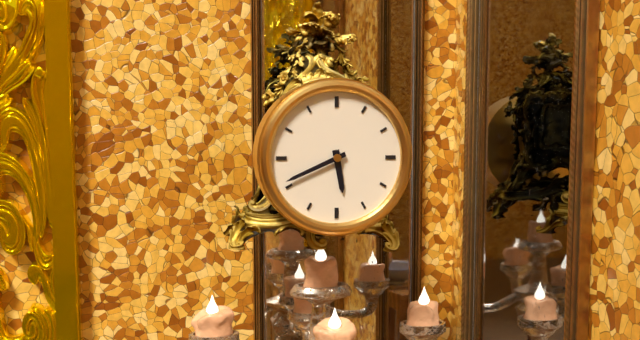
5:41
